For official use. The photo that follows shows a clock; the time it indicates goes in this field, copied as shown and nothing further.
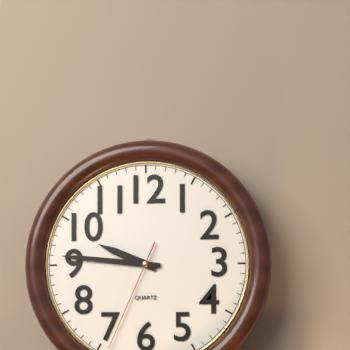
9:46:34
